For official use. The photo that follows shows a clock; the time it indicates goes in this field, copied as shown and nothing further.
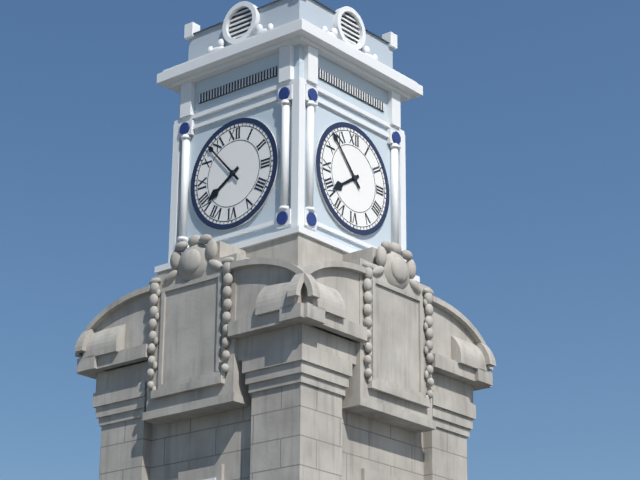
7:53
